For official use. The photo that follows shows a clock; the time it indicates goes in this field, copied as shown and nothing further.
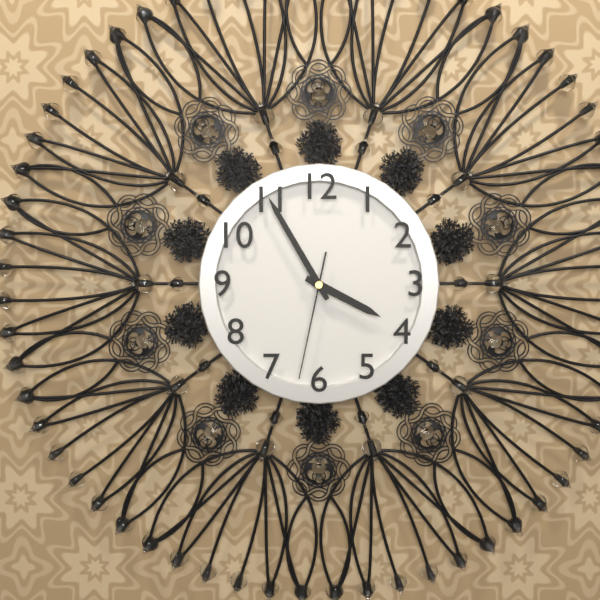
3:55:32
